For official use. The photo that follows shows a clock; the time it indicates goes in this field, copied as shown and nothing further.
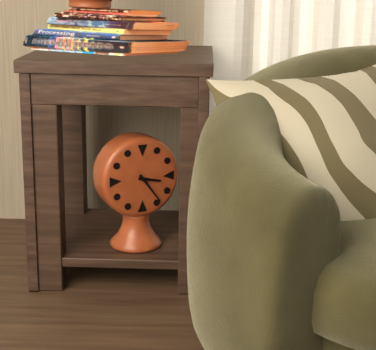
3:24
